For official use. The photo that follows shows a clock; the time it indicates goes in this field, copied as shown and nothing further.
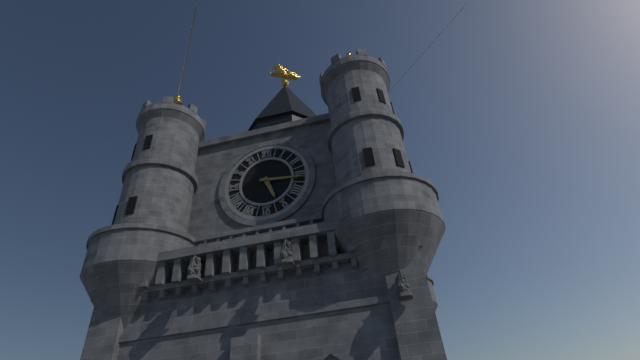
5:16
